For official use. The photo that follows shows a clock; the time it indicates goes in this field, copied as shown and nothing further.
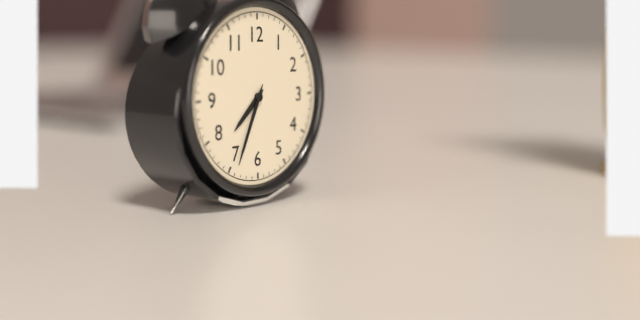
7:34
